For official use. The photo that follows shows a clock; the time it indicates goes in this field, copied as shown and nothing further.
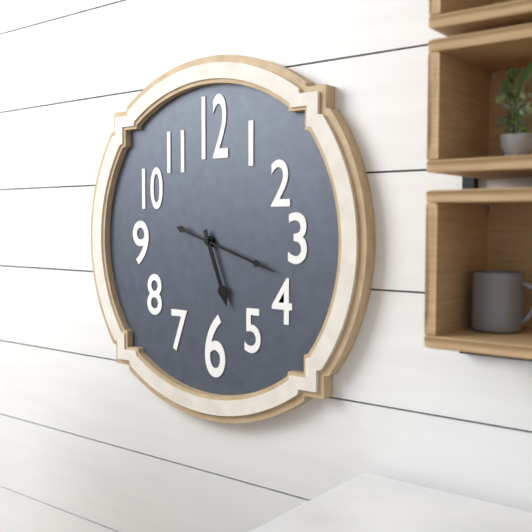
5:18
